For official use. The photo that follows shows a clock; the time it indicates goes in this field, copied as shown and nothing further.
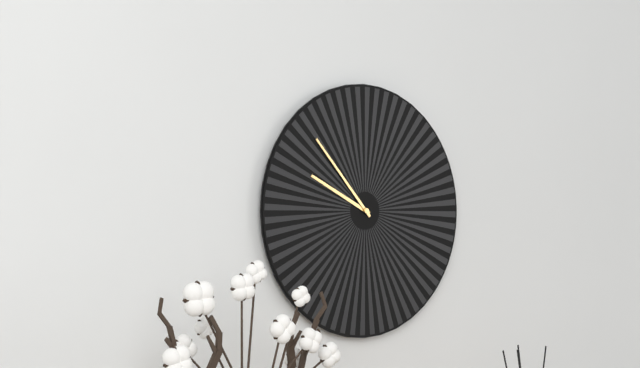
9:53
